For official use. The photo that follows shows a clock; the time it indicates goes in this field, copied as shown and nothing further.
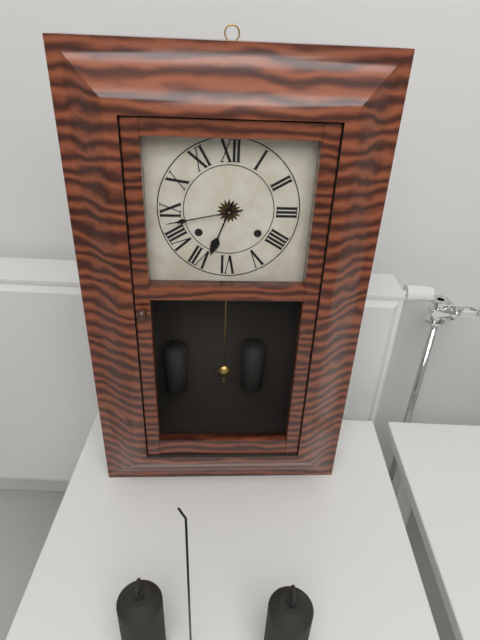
6:43
